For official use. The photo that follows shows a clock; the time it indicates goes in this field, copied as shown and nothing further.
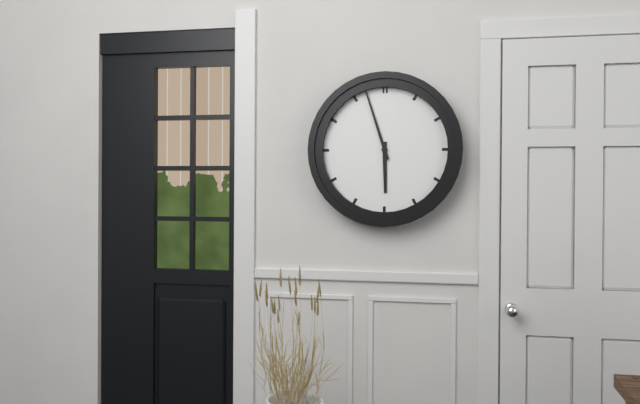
5:57
